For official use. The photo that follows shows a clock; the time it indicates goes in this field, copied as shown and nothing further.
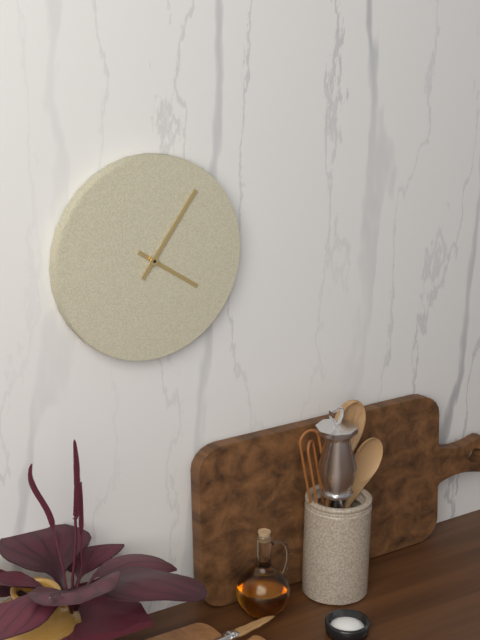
4:06
